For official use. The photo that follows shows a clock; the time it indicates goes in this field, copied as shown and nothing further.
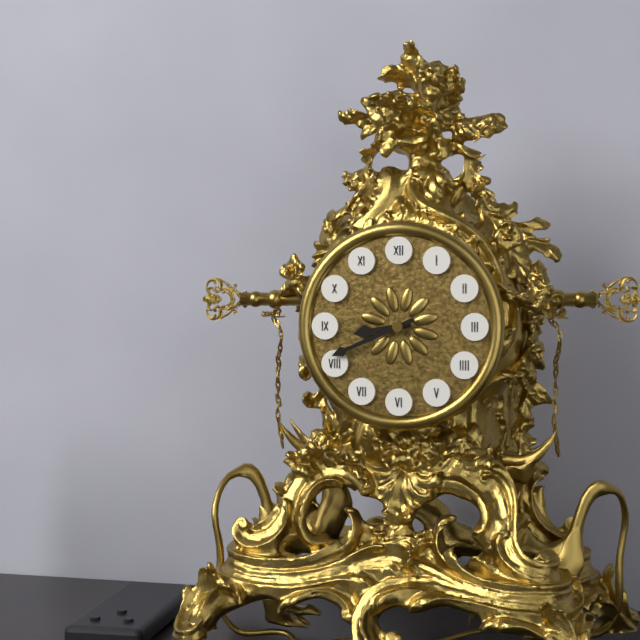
8:41
